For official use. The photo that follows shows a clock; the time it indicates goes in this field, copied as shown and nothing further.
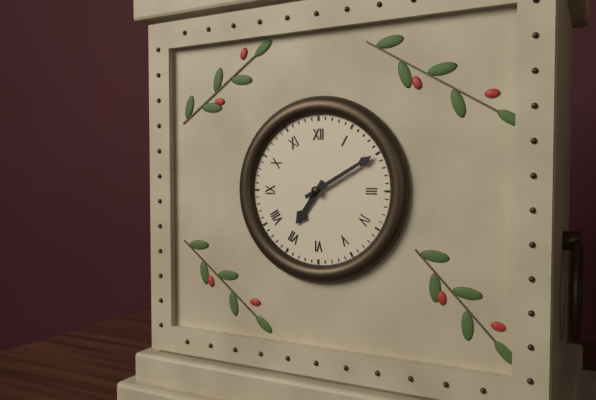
7:10
